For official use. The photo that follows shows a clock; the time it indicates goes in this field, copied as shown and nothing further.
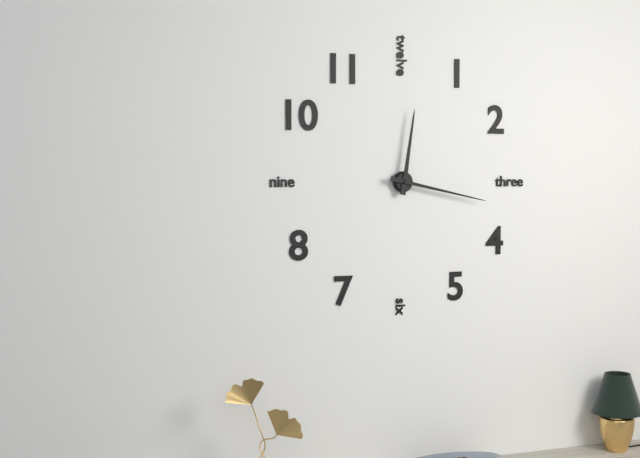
12:17
